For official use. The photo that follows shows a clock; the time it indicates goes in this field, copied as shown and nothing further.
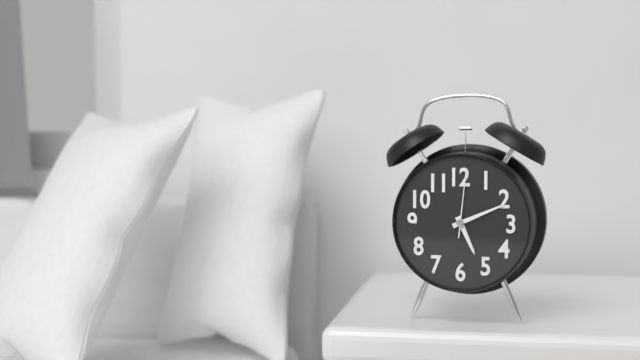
5:11:01
